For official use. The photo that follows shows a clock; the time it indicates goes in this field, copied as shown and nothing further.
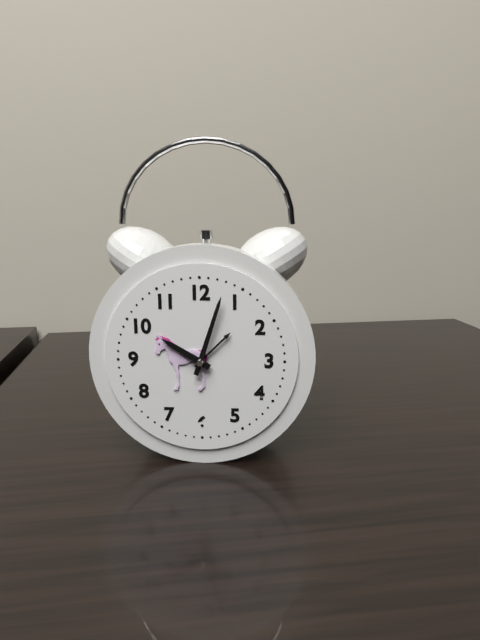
10:03
